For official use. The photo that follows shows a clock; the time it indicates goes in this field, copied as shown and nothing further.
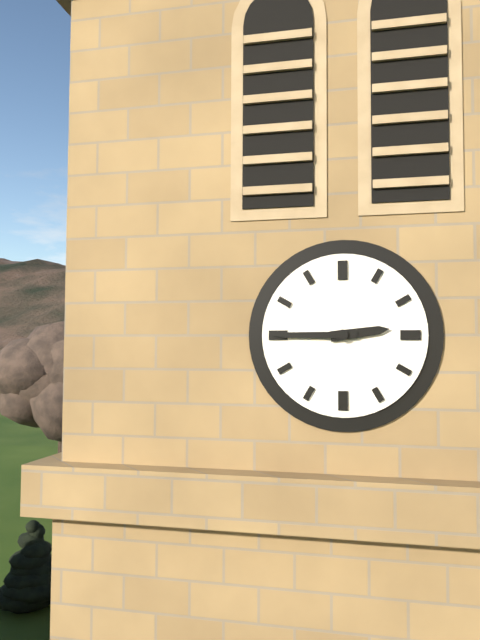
2:45
